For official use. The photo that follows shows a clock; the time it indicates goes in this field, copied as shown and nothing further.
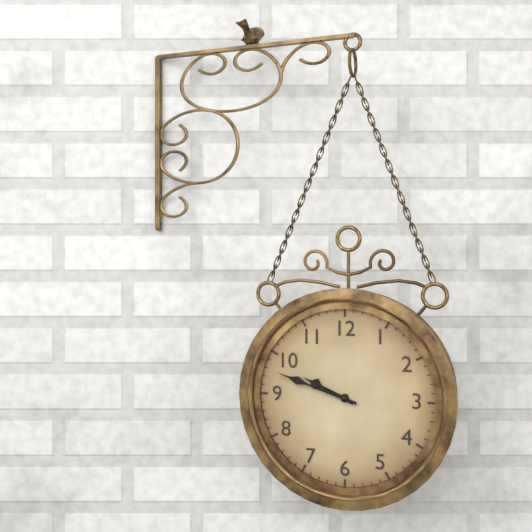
9:48
